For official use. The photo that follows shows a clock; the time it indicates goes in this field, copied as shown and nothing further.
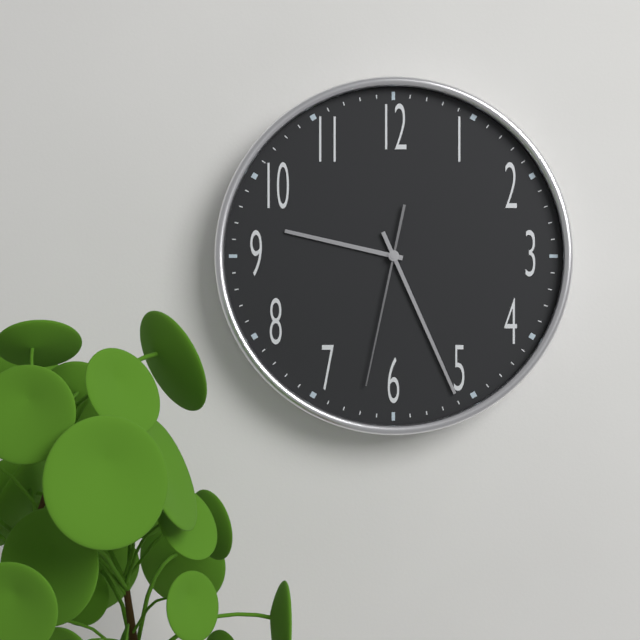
9:26:32
